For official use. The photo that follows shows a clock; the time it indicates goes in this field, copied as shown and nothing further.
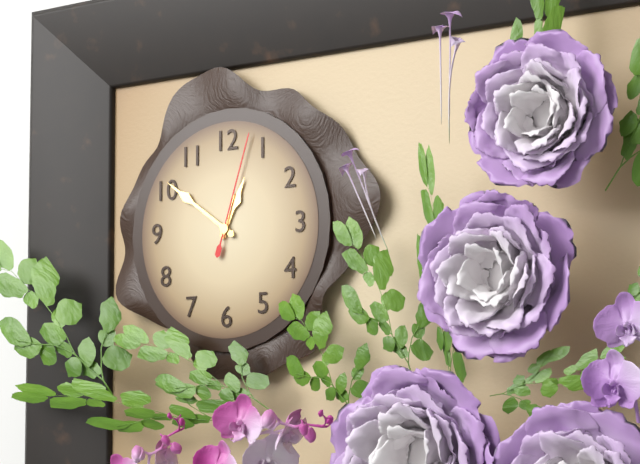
12:51:03
